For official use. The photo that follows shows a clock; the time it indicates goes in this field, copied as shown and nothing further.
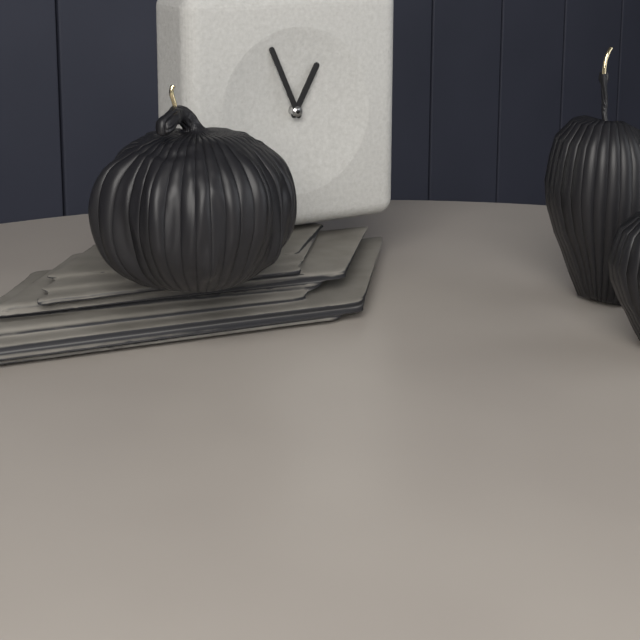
12:56
